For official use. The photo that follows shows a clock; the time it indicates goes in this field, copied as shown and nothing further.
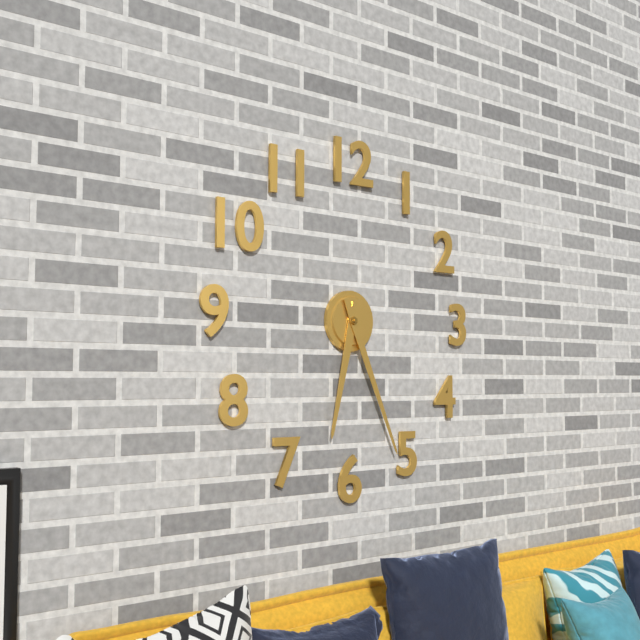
6:26
